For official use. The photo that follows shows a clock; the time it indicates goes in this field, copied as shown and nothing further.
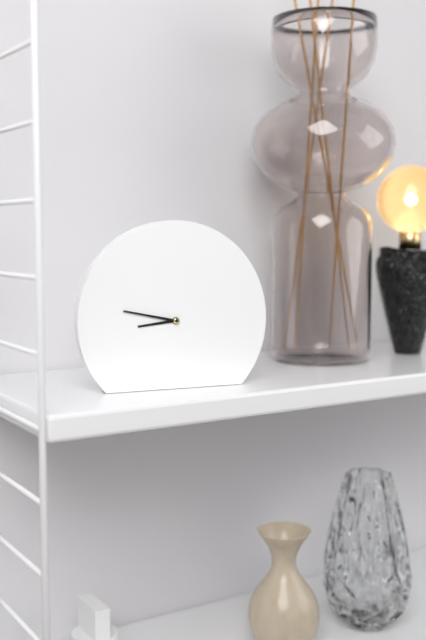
8:47
